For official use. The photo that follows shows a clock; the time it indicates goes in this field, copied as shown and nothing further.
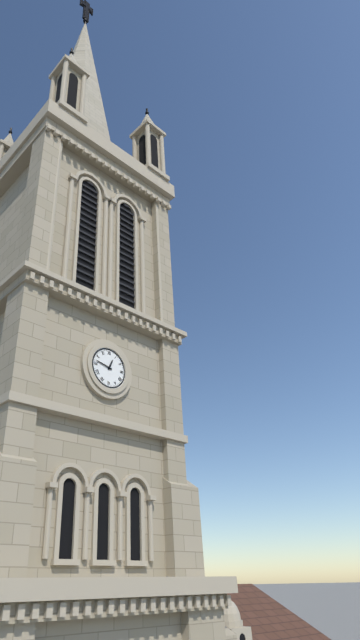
12:47
